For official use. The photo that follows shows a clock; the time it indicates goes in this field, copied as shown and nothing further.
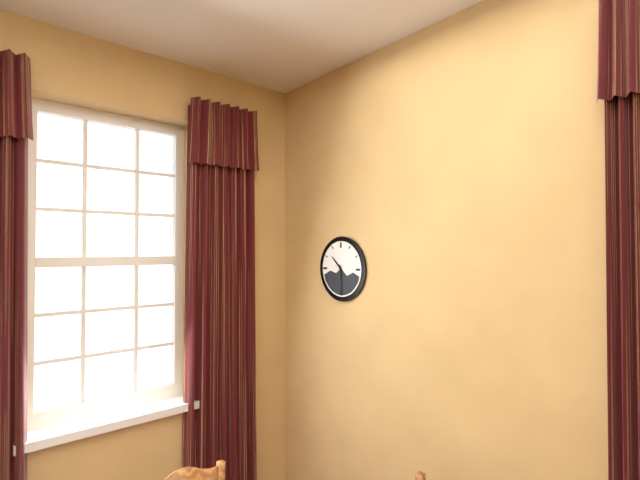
10:29
